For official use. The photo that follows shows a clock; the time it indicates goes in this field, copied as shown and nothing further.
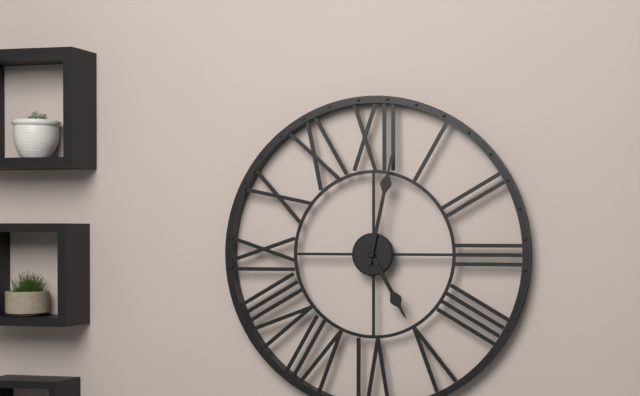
5:02
